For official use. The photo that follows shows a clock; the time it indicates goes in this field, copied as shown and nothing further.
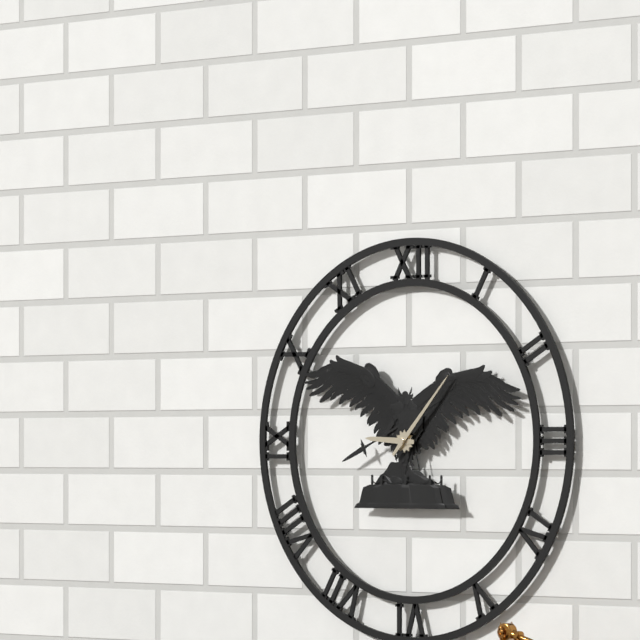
9:07
